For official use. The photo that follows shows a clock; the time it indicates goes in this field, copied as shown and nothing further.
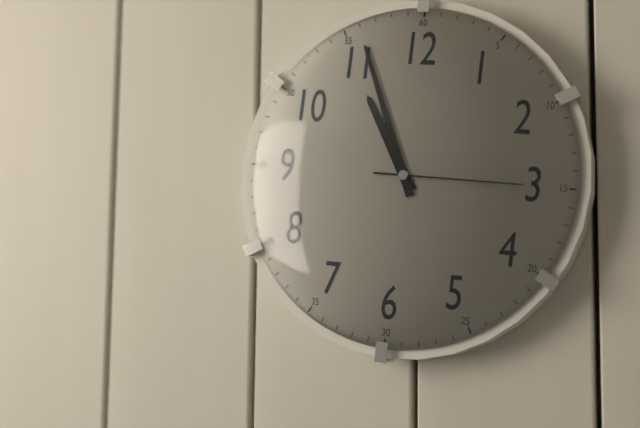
10:56:15
